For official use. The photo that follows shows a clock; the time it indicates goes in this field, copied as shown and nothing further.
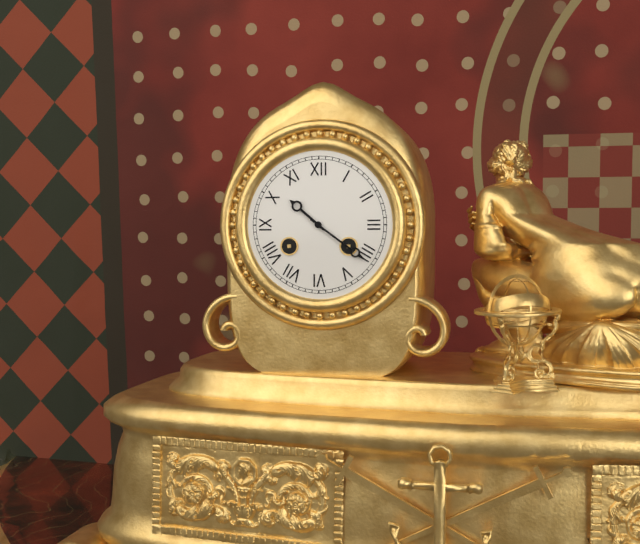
10:21
